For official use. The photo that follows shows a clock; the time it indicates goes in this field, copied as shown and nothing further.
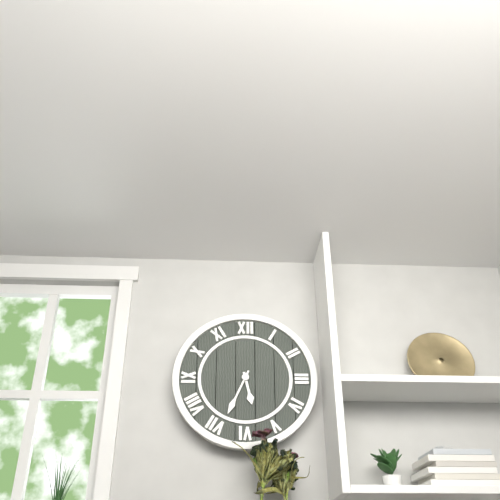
5:34
